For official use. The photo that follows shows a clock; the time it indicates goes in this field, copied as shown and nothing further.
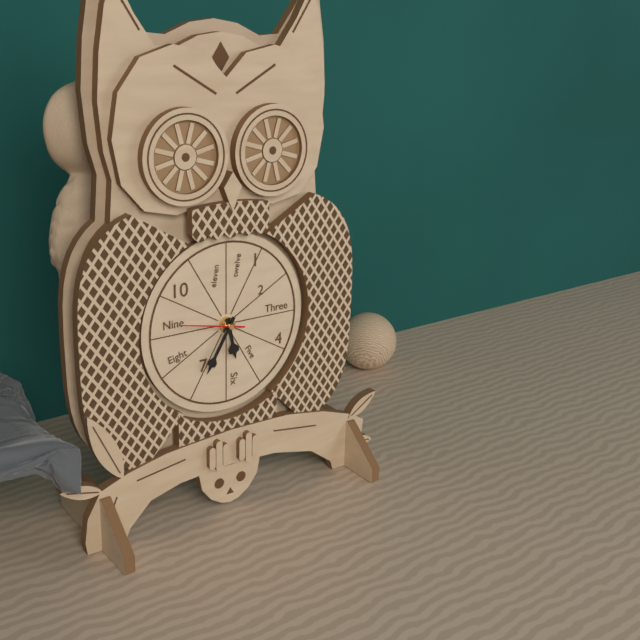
5:35:47
